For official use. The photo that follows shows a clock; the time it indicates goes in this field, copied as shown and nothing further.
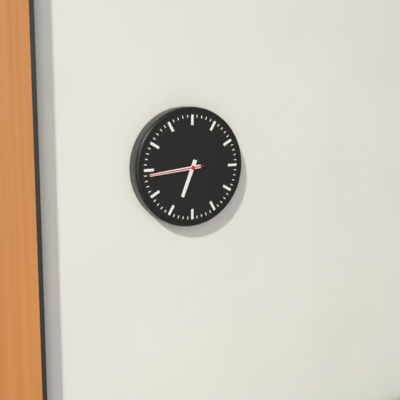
6:44:44
